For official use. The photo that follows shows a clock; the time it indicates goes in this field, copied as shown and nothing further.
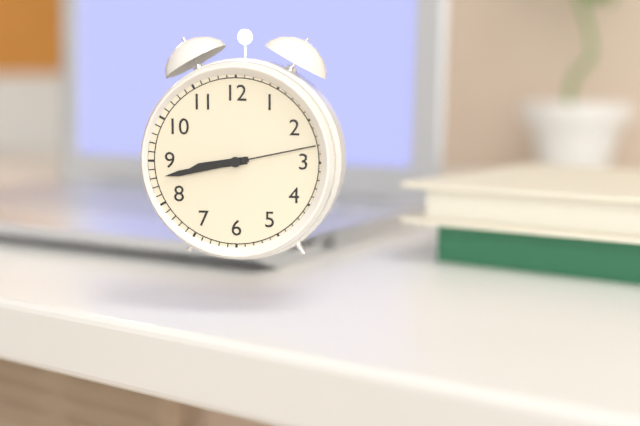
8:43:13
